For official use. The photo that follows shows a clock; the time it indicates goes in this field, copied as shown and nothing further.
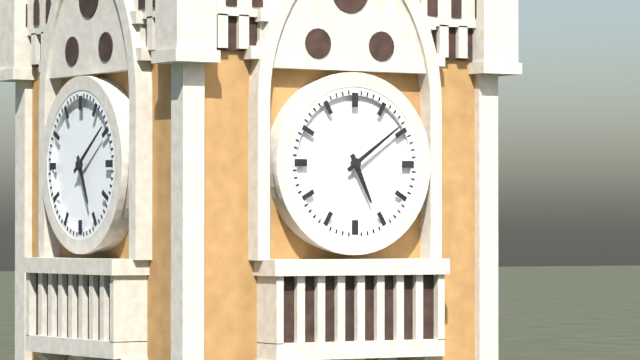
5:09
